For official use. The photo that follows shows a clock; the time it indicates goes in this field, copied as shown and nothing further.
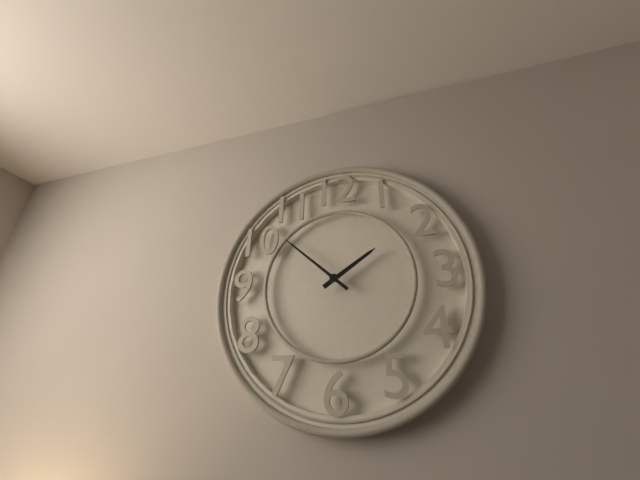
1:52
